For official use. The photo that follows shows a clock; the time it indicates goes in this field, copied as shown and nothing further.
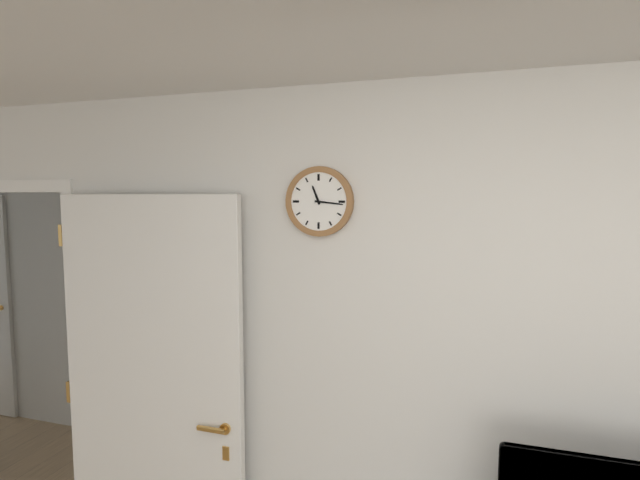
11:16
